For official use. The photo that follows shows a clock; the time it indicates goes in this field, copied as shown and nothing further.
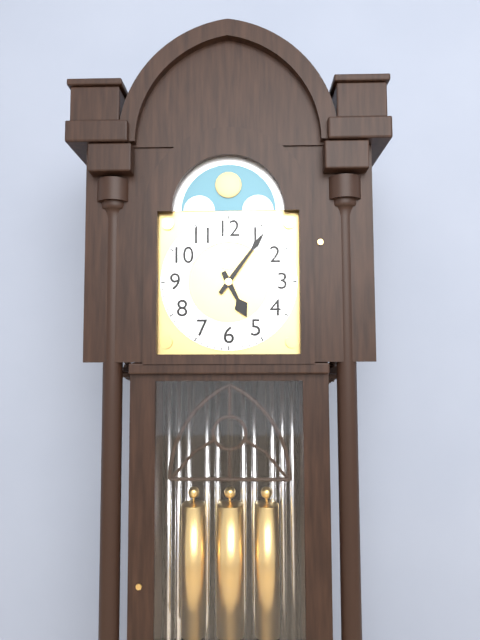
5:06
